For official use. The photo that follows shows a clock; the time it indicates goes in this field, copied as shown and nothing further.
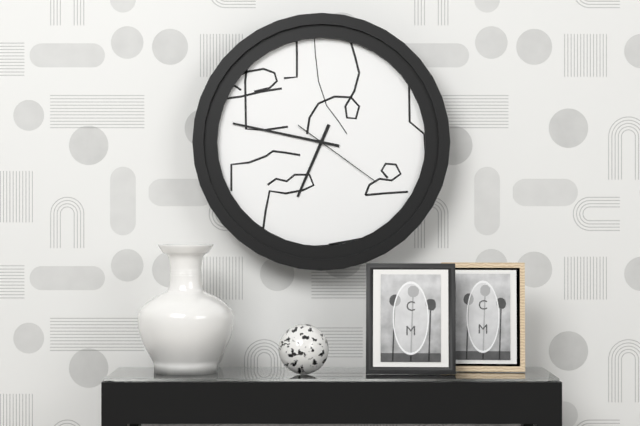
6:47:21
